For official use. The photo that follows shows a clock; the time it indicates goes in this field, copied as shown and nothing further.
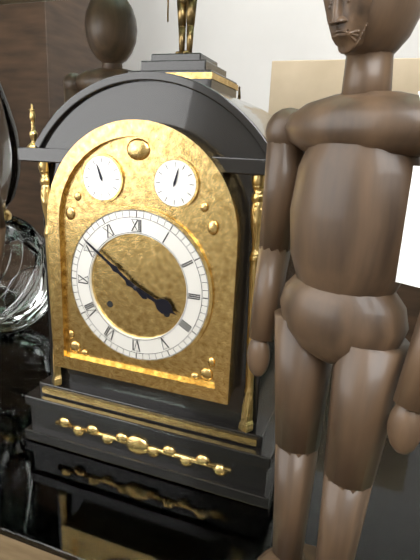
3:51
